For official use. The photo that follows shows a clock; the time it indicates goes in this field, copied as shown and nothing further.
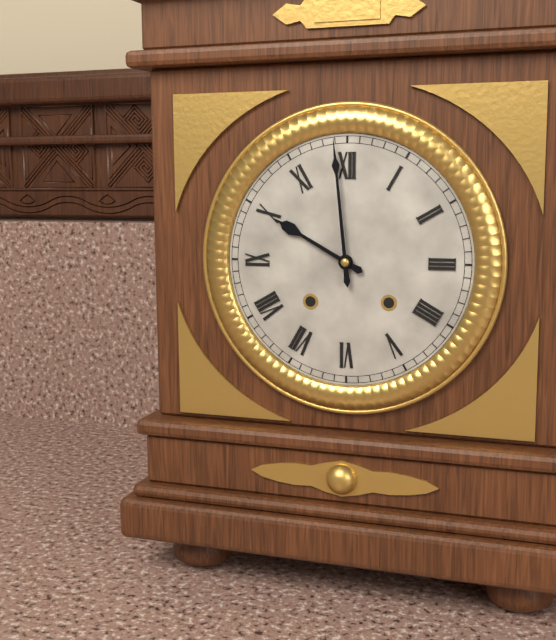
9:59
